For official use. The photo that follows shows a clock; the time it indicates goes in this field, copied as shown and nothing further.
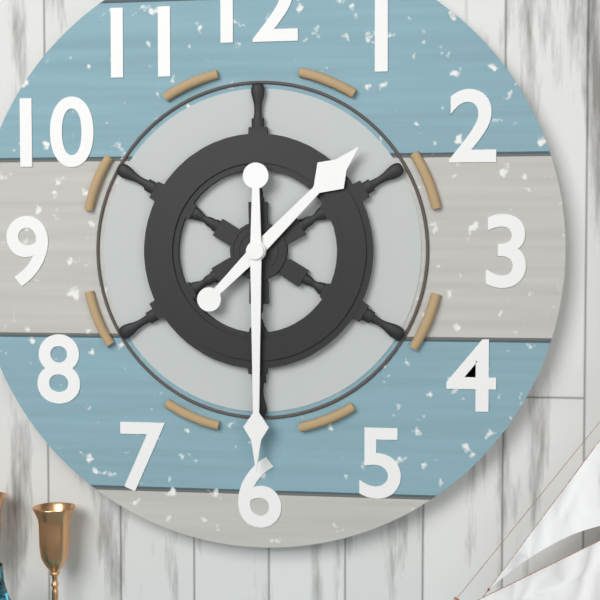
1:30
